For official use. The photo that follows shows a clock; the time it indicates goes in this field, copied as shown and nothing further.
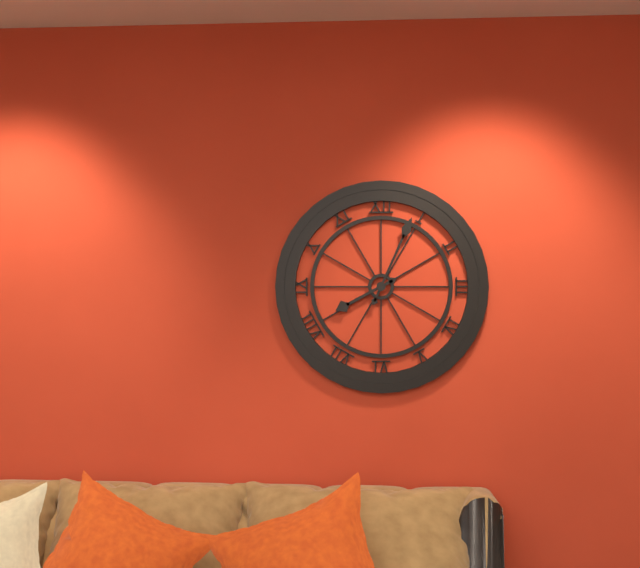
8:04
